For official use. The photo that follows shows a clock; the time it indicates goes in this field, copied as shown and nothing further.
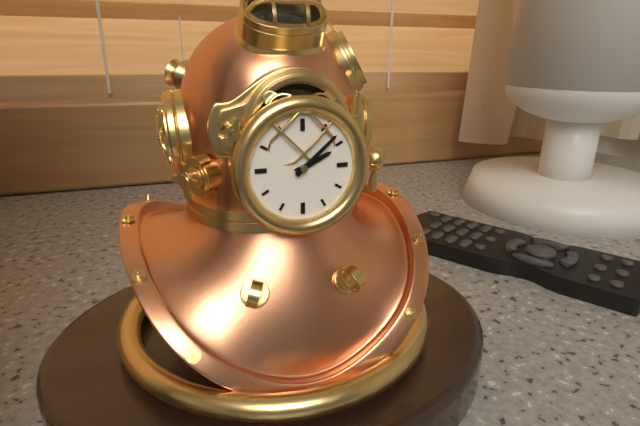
2:08
